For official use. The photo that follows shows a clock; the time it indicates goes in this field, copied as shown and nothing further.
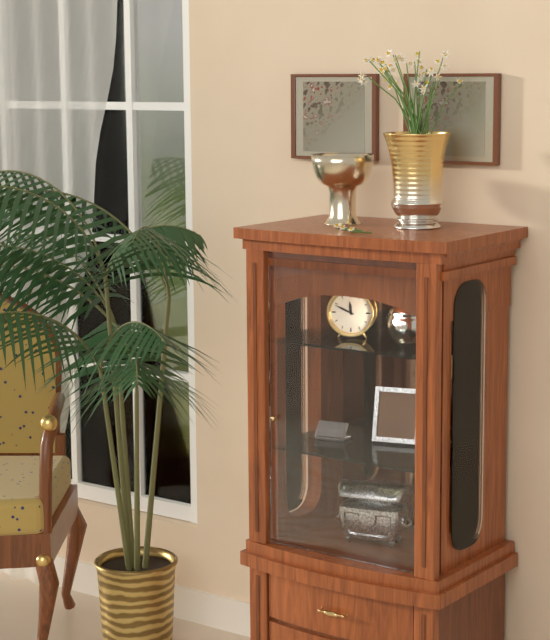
11:49
